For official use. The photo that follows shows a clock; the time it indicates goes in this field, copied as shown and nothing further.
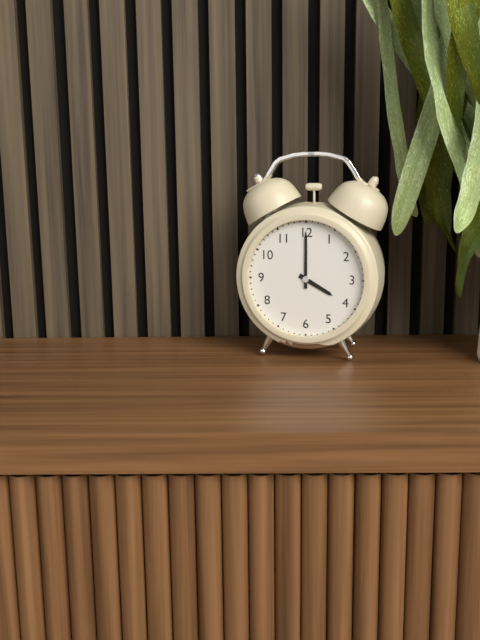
4:00
